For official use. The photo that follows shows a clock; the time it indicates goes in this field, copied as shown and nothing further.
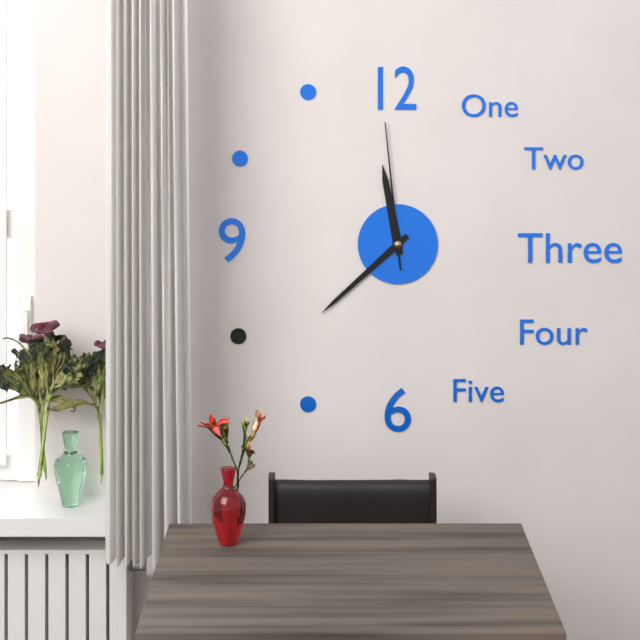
11:38:59
